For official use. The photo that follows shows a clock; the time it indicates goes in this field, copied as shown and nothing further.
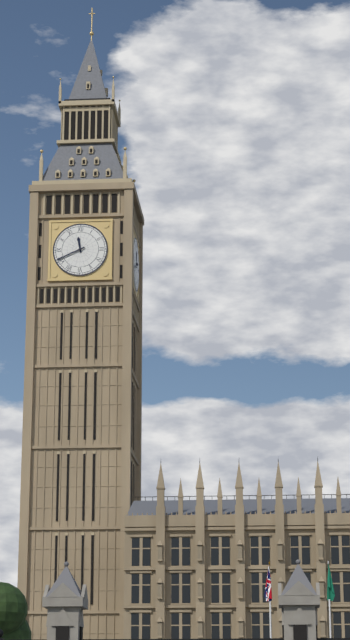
11:41
